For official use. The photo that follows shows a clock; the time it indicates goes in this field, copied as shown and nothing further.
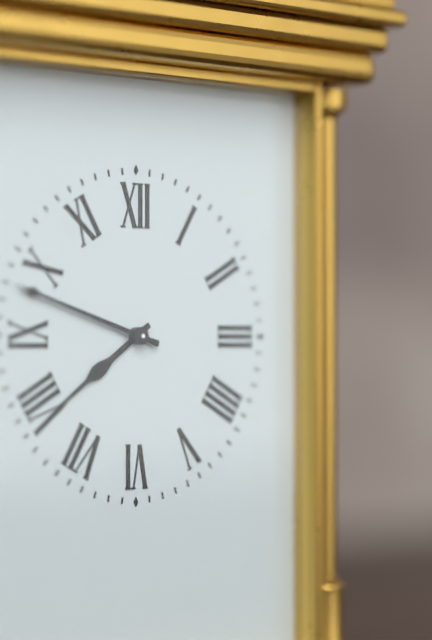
7:48
